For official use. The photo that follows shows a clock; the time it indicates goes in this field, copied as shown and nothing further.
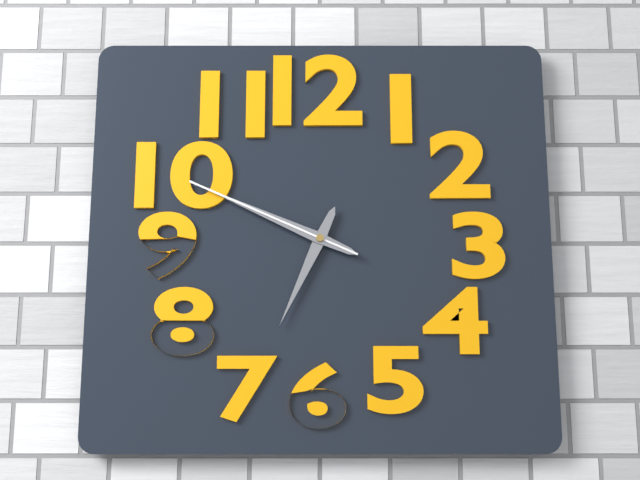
6:49:49
